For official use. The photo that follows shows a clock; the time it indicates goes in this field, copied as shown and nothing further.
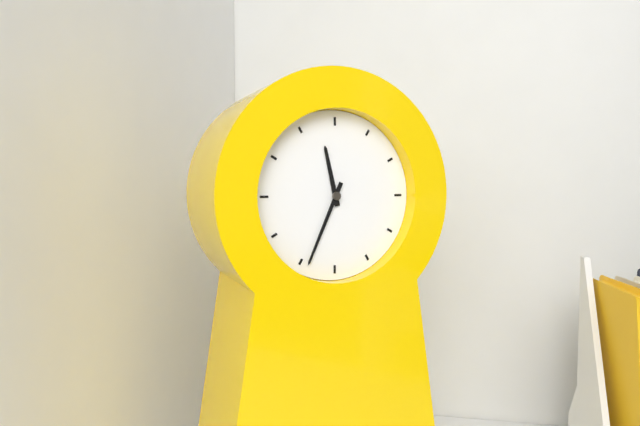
11:34
